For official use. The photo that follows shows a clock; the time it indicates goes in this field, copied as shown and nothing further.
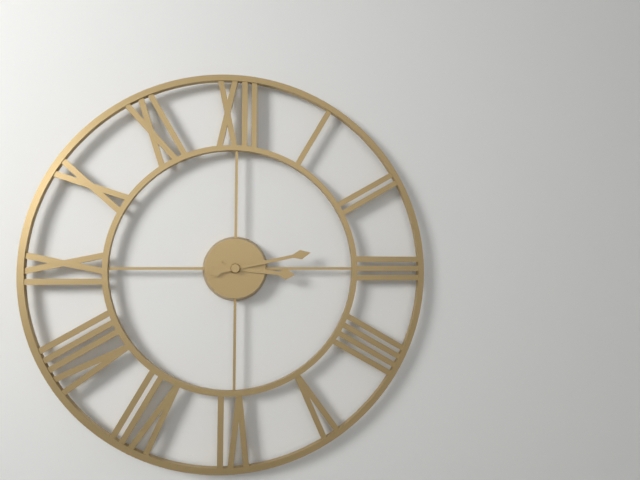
3:13
